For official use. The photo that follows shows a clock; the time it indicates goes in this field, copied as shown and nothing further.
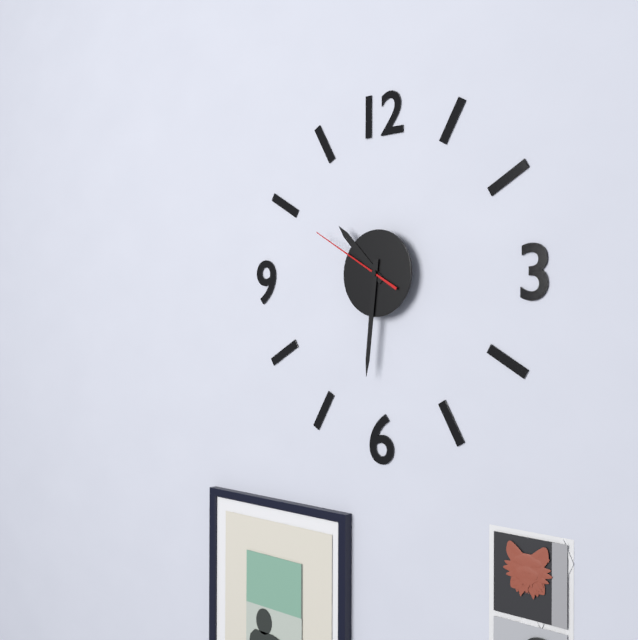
10:31:50
